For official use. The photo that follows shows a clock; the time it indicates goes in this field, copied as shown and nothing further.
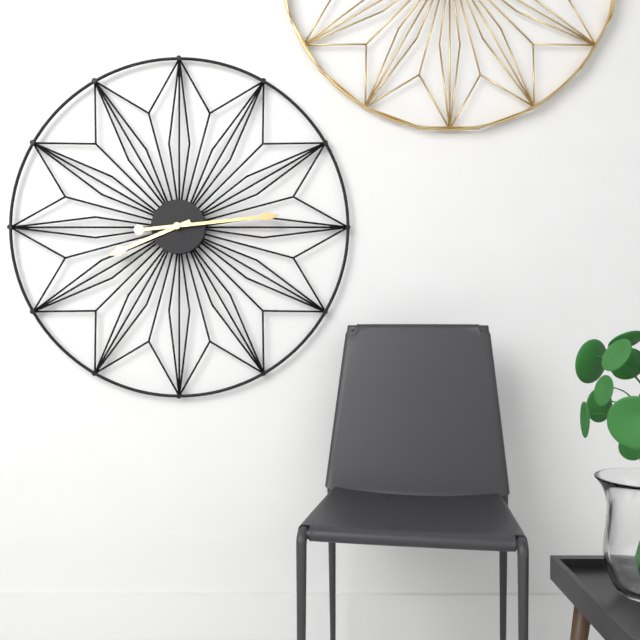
8:14
